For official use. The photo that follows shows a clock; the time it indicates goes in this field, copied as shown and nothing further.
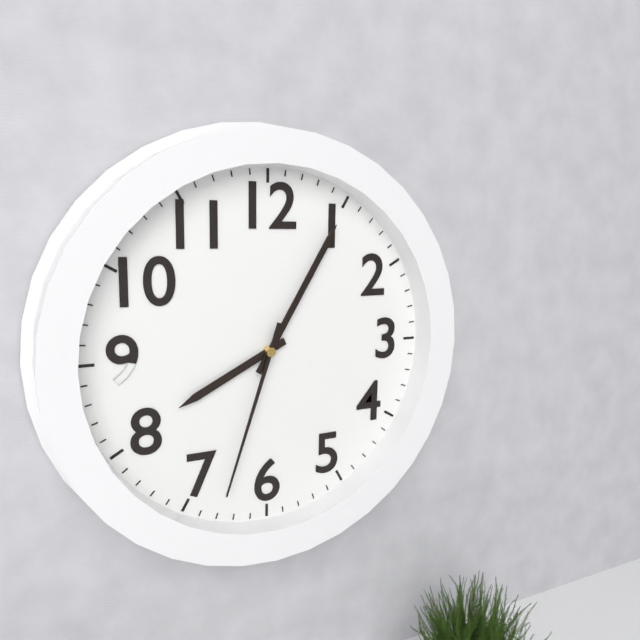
8:05:33
